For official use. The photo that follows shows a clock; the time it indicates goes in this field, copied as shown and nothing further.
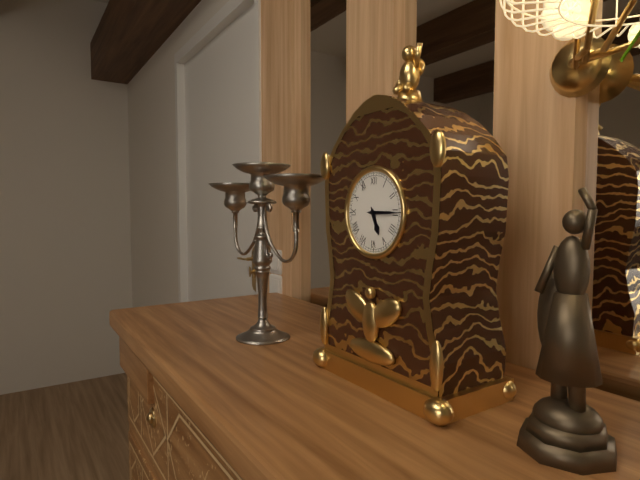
5:15
